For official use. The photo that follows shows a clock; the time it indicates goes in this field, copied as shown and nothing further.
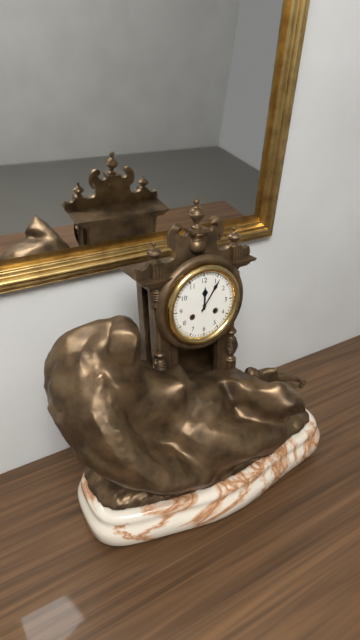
12:06
